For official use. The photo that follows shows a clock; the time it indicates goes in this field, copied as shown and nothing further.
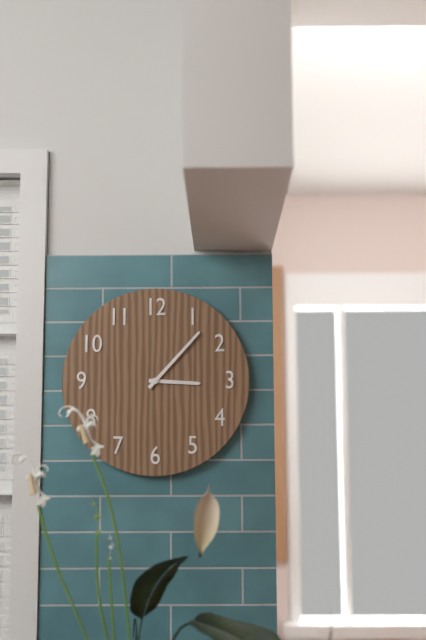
3:07
